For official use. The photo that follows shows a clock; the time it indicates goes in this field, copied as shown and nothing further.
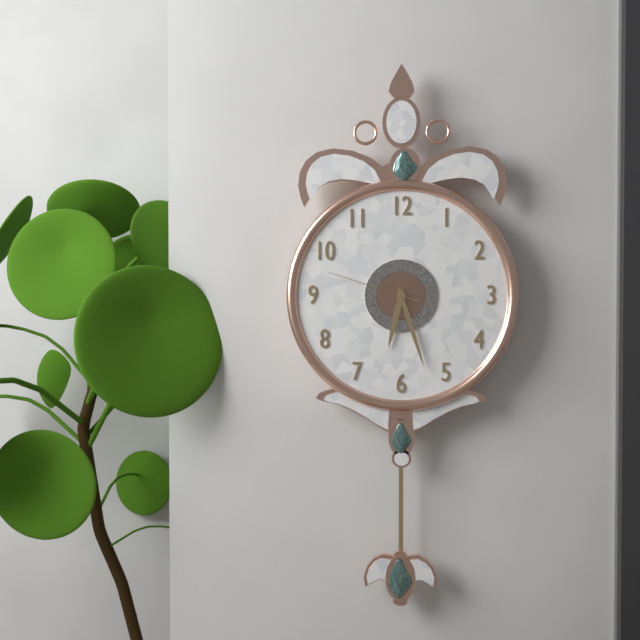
6:27:48
